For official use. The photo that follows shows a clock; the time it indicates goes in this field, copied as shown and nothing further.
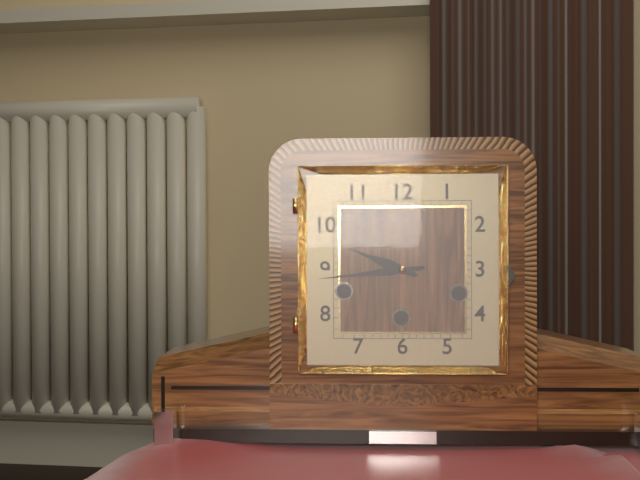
9:44
